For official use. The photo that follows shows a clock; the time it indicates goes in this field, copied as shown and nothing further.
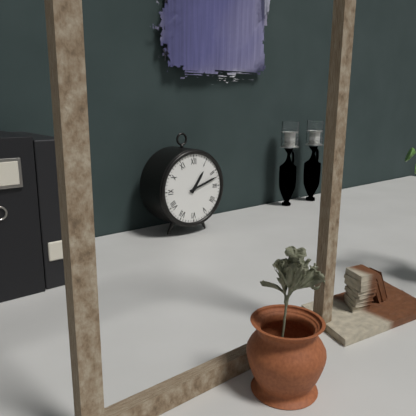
1:12
